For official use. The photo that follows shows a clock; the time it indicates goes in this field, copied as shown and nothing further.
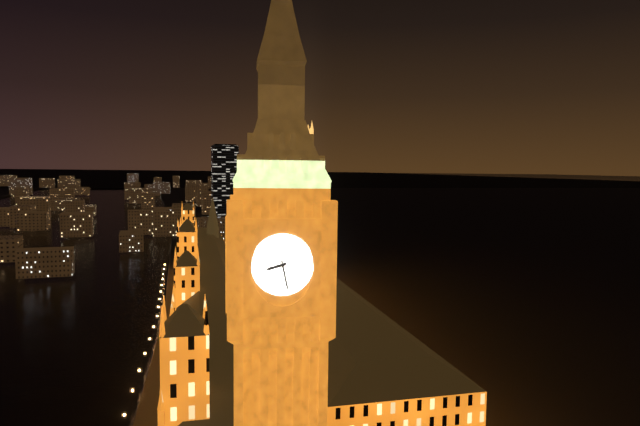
8:28
